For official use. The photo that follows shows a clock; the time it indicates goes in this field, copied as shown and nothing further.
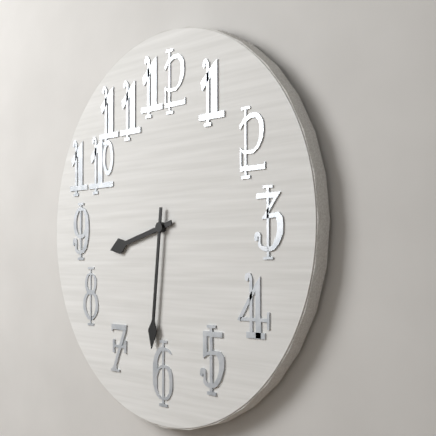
8:31
